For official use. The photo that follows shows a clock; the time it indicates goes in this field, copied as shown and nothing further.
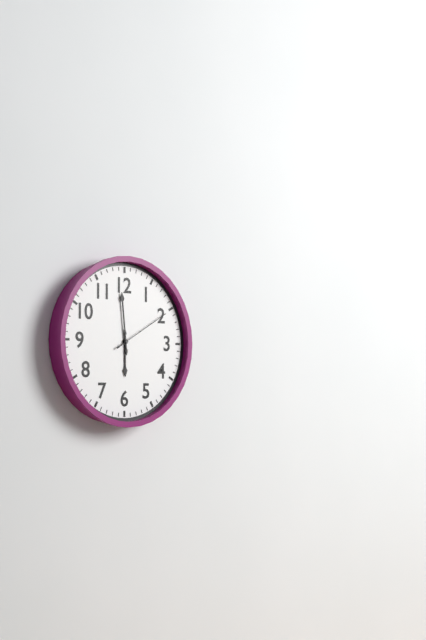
5:59:10
